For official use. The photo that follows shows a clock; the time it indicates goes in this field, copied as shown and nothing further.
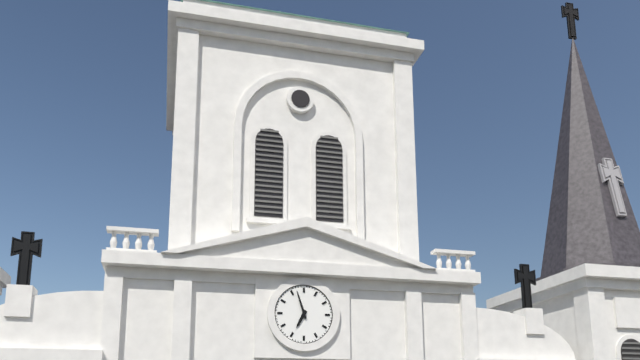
6:57
